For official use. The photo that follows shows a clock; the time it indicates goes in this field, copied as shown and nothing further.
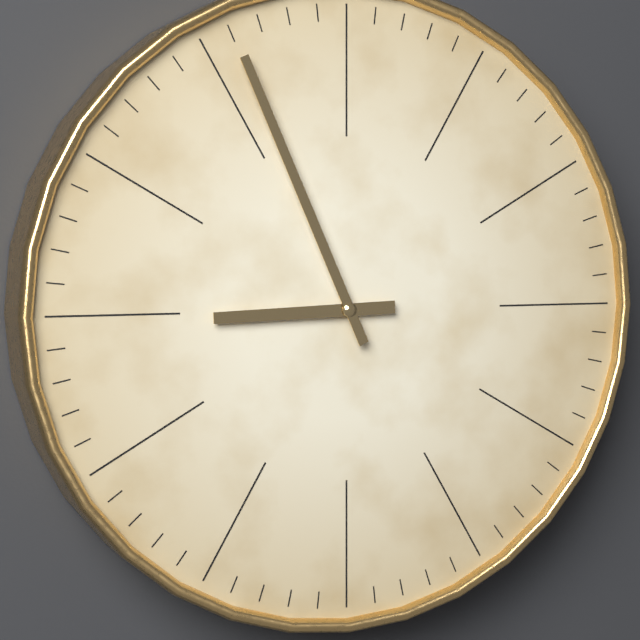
8:56
